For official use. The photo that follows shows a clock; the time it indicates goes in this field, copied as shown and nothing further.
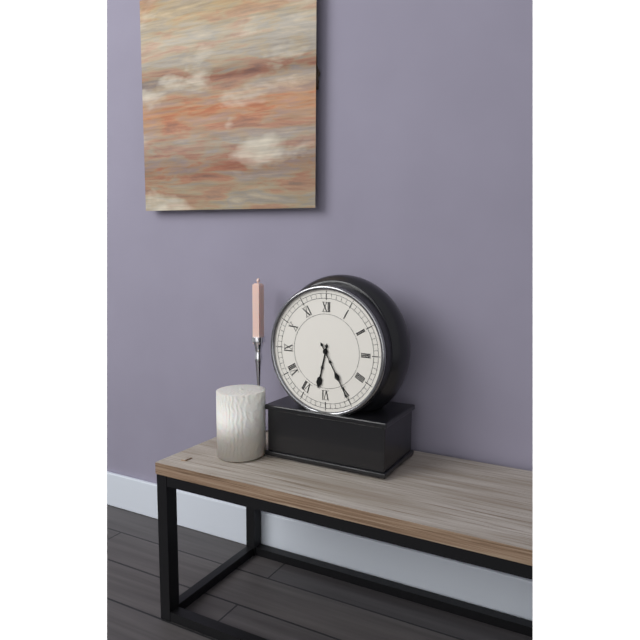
6:25
